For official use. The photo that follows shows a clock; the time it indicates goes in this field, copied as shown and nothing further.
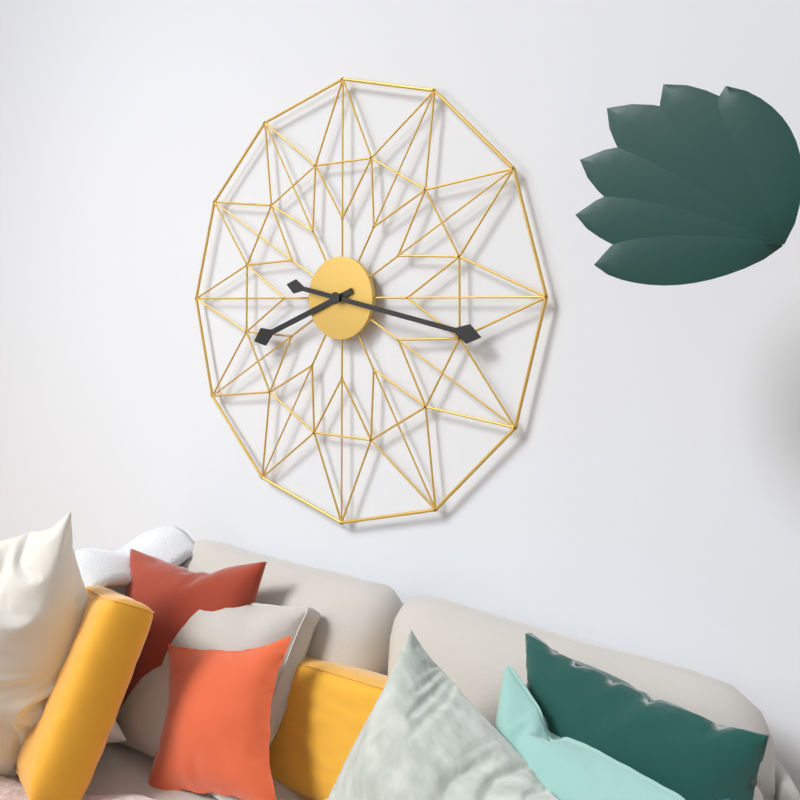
8:17
